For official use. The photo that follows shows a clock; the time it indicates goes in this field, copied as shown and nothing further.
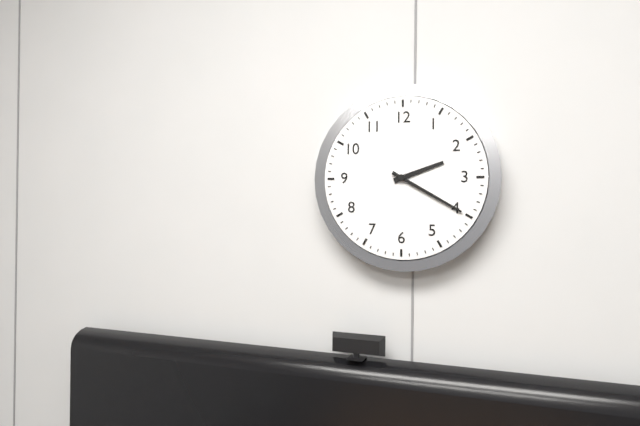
2:20
